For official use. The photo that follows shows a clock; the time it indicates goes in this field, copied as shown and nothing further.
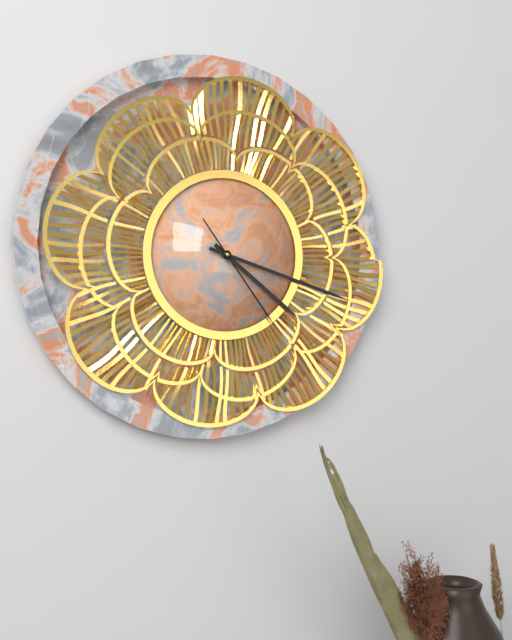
4:18:24
